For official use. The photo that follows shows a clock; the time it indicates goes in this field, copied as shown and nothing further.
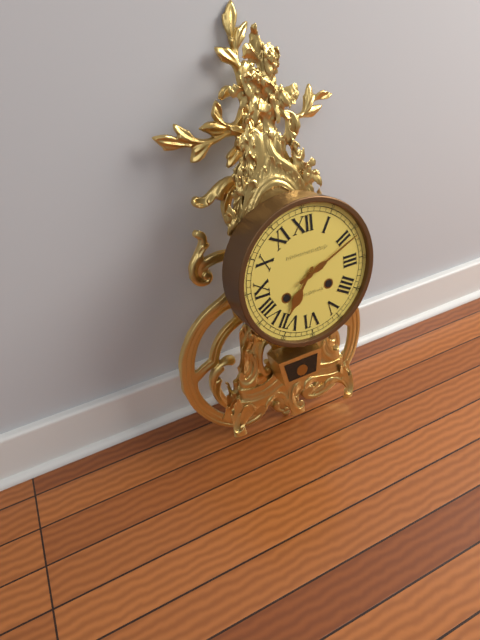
7:11
